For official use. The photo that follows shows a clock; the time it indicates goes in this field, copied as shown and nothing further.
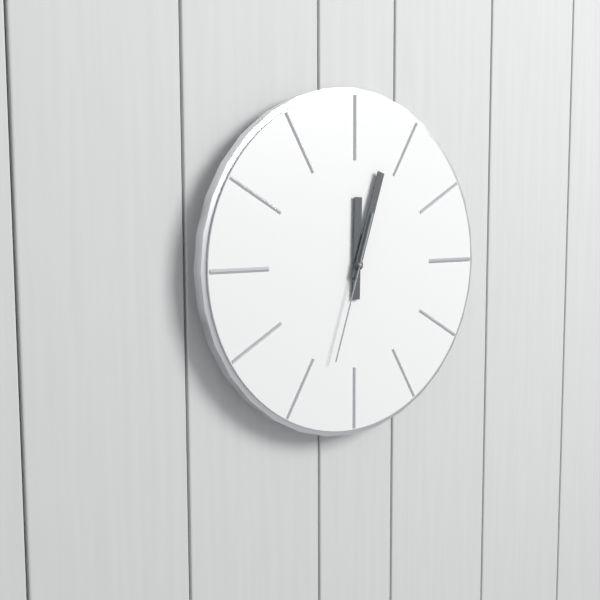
12:03:33
